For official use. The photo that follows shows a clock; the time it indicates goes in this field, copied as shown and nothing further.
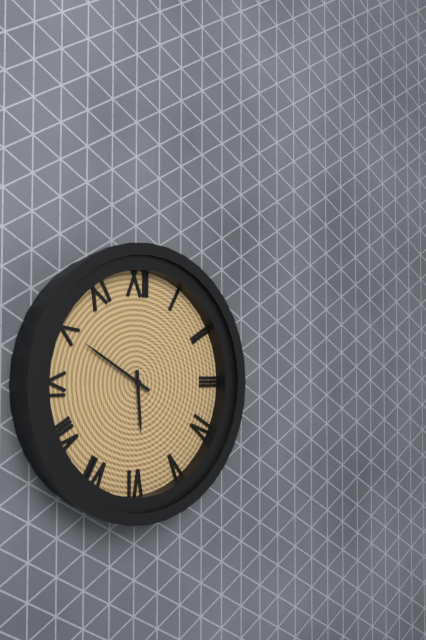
5:50
